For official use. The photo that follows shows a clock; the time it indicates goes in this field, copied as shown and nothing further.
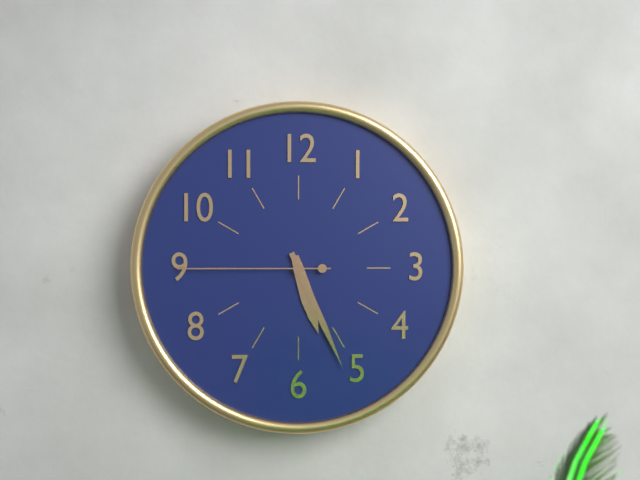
5:26:45
